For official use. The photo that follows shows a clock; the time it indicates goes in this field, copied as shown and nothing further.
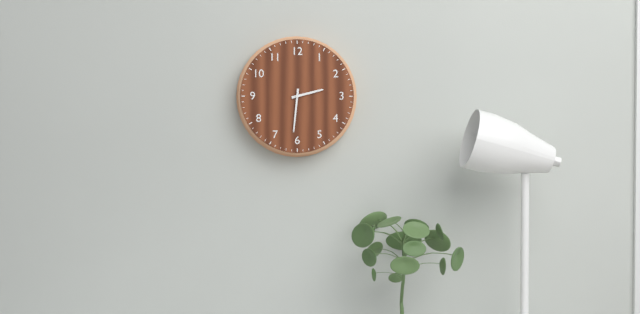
2:31
